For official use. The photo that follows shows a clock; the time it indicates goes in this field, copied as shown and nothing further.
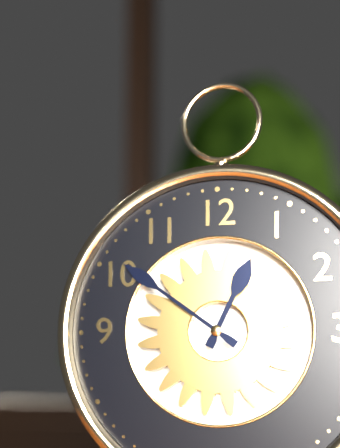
12:51
